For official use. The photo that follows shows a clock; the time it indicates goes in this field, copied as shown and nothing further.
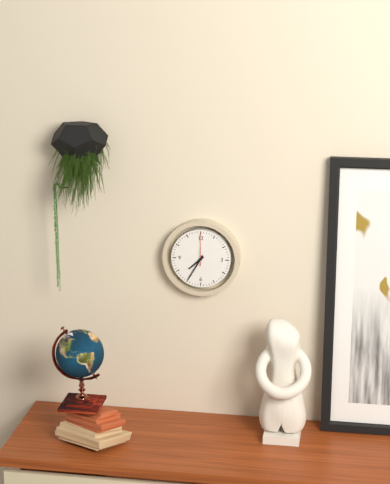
7:35
